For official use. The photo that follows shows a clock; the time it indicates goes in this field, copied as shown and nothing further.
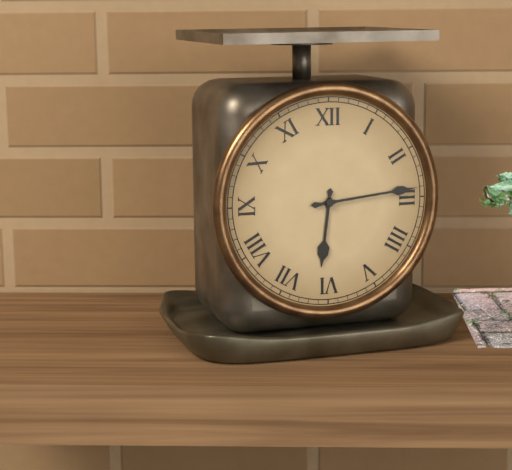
6:14
